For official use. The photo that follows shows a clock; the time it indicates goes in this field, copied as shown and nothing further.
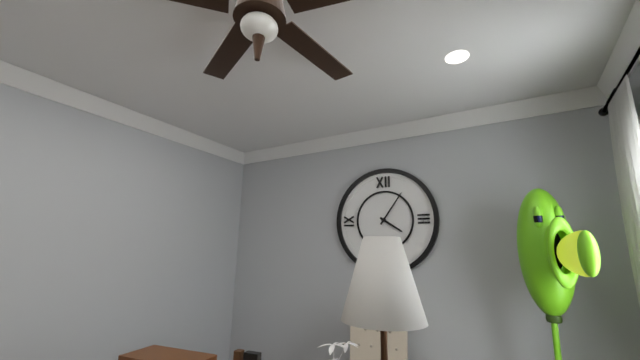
4:06
